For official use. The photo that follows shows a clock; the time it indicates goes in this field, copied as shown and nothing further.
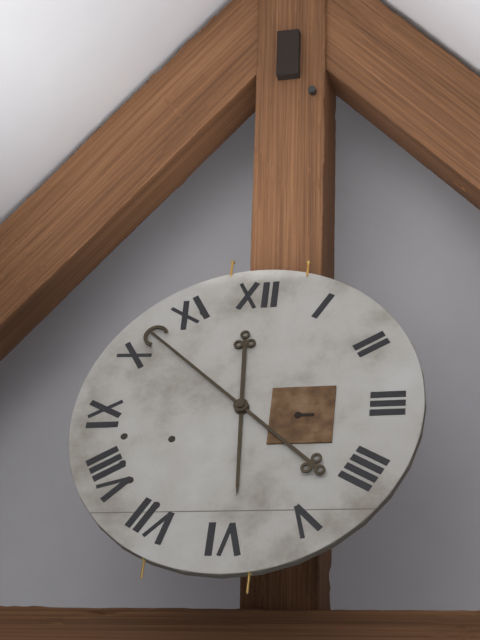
5:52
